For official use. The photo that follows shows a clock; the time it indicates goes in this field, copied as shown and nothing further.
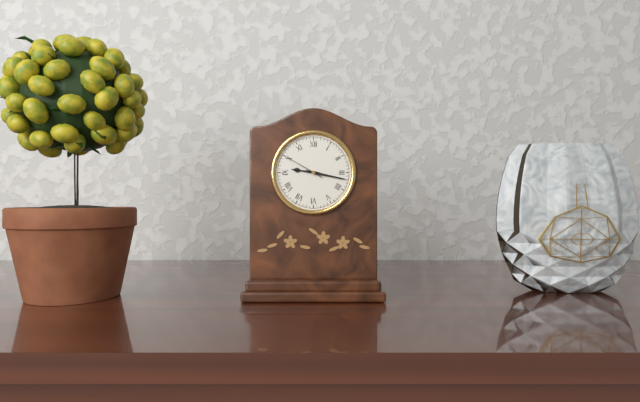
9:17
